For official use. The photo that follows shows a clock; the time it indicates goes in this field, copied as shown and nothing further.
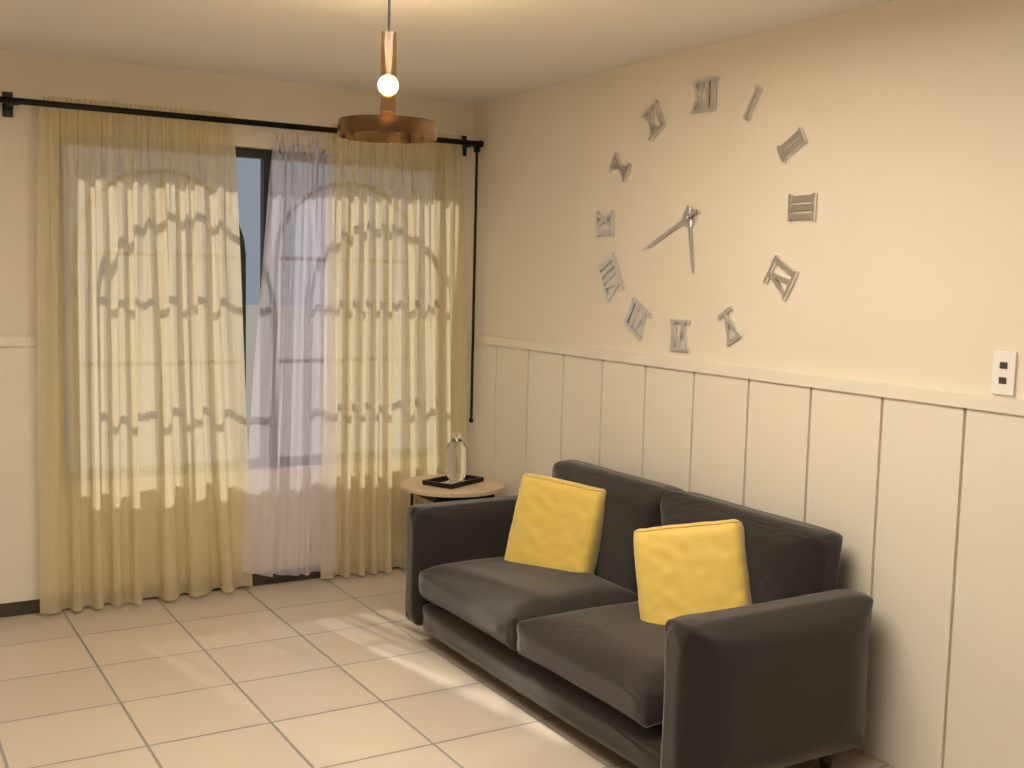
5:41
